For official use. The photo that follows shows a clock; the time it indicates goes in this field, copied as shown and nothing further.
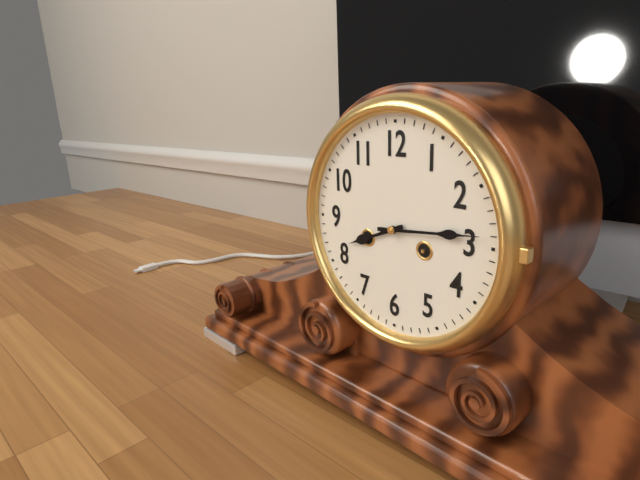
8:14
